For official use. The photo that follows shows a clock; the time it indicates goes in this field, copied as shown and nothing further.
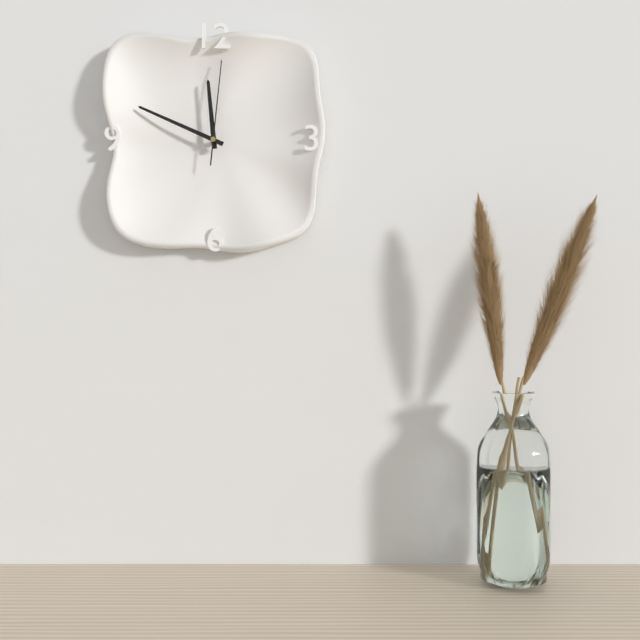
11:49:01
